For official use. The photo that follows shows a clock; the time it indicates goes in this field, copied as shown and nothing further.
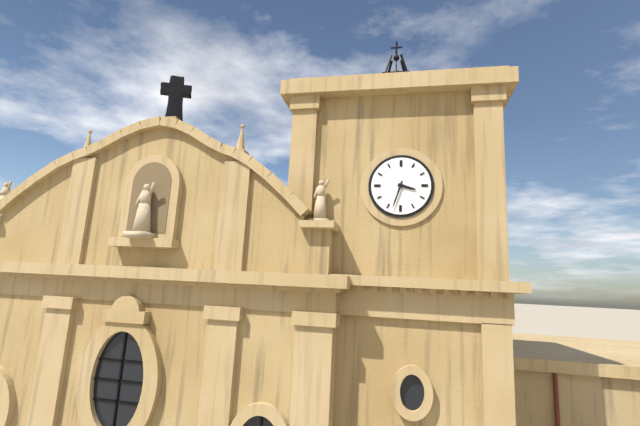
3:33
